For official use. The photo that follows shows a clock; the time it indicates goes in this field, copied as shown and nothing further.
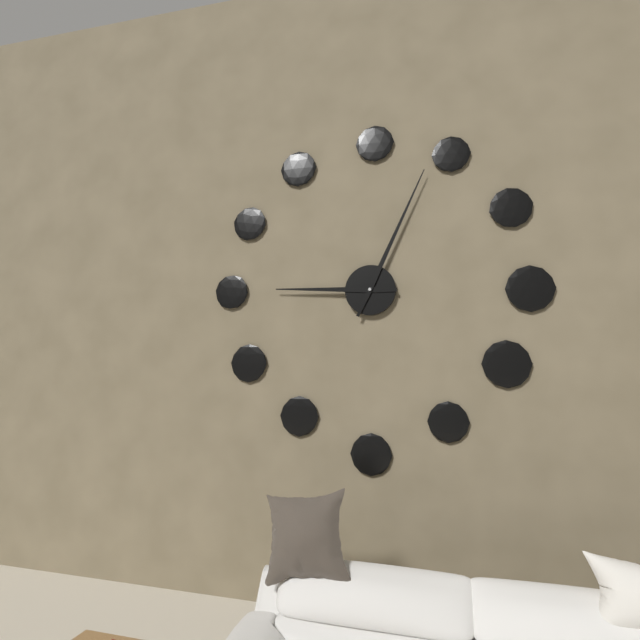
9:04
